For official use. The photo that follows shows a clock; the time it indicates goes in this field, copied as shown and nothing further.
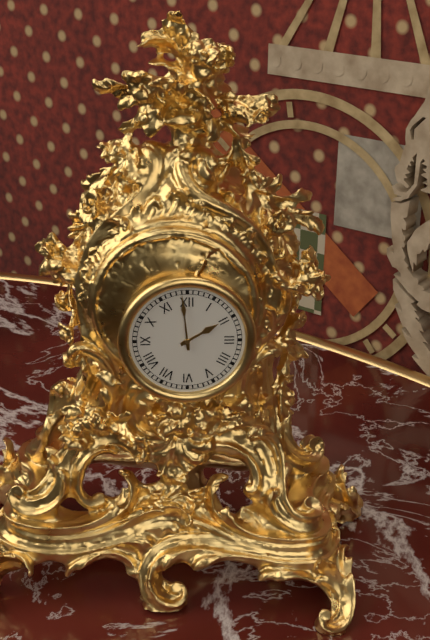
1:59
